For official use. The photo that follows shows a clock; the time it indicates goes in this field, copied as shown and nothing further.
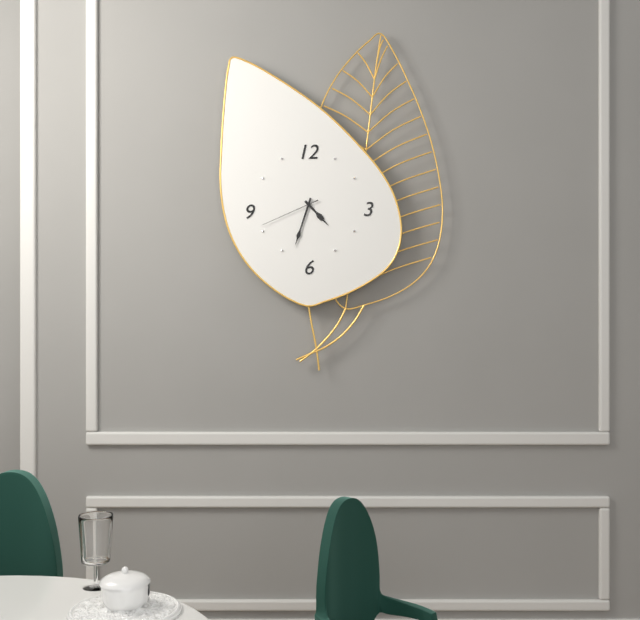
4:33:41
